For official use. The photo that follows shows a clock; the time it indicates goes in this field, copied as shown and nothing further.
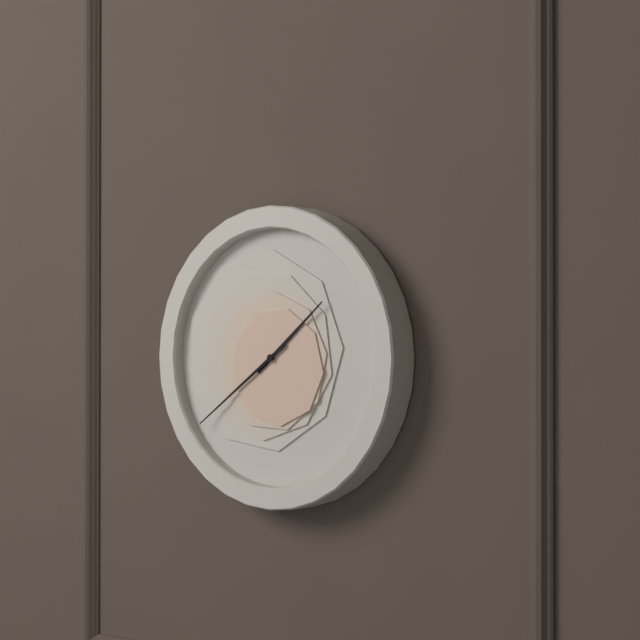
1:39
